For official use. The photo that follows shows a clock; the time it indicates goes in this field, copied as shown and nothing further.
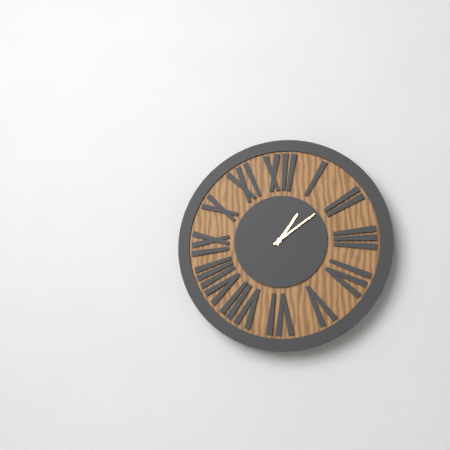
1:09
